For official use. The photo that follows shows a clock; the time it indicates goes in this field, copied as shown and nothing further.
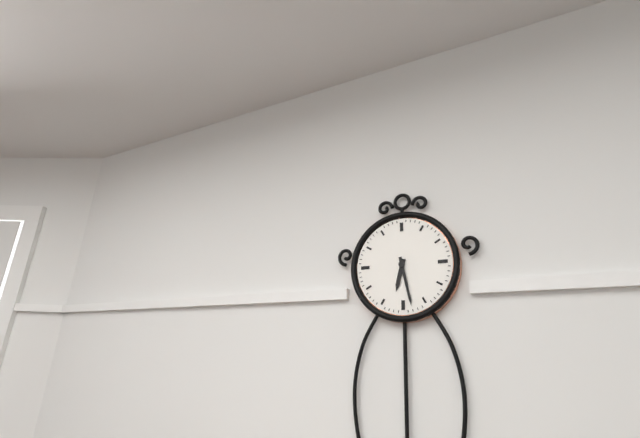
6:28
